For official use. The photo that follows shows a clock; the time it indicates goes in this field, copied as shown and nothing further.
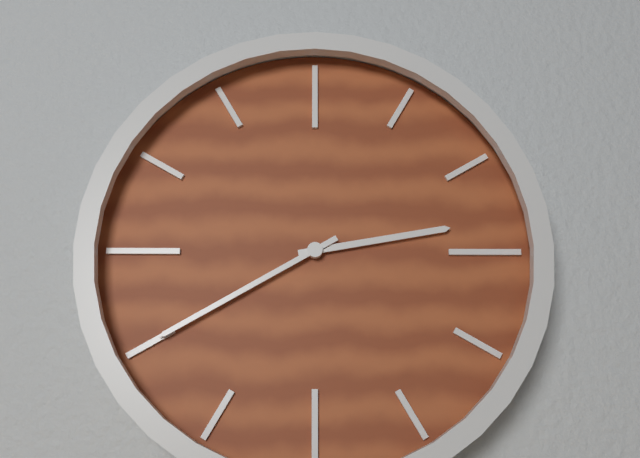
2:40
